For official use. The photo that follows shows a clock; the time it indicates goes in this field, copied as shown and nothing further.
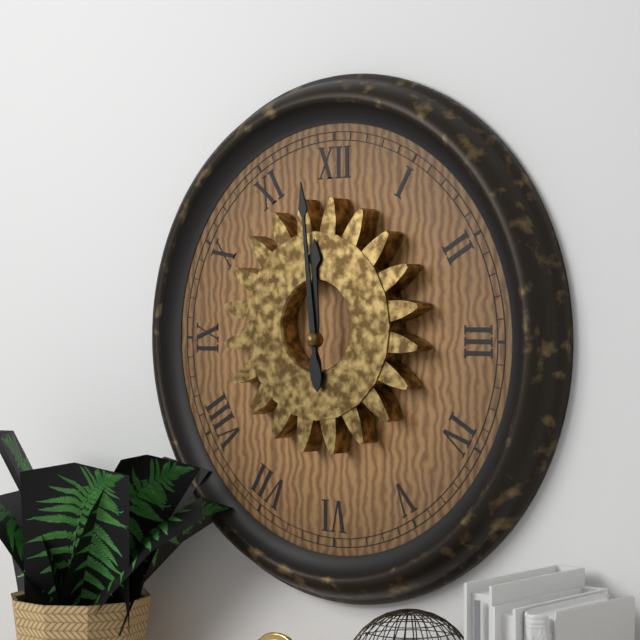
11:59
